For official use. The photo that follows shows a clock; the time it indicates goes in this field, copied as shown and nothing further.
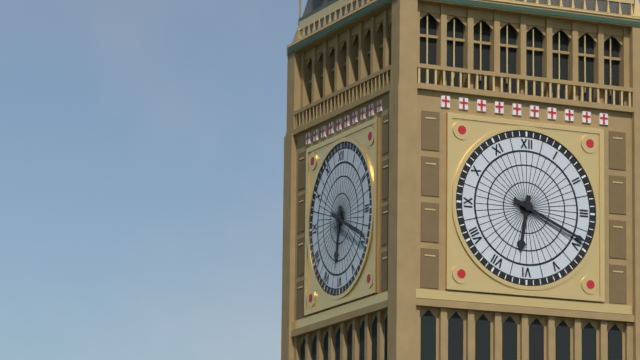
6:19
